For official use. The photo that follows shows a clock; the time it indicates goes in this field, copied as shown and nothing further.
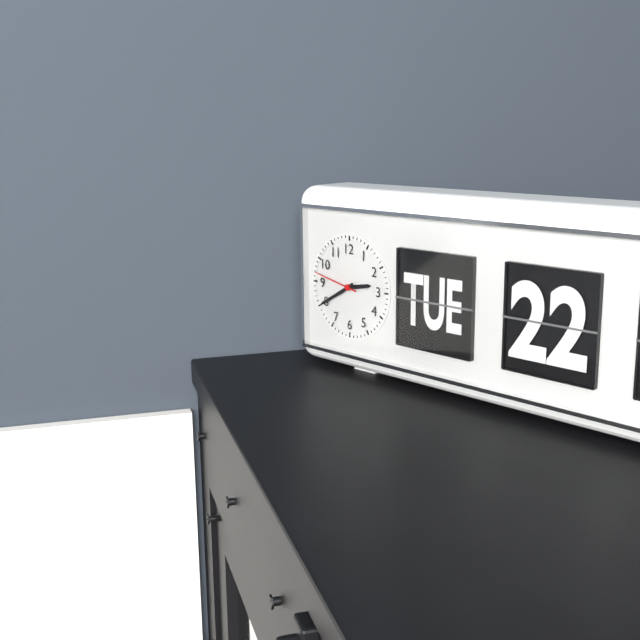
2:40:47
